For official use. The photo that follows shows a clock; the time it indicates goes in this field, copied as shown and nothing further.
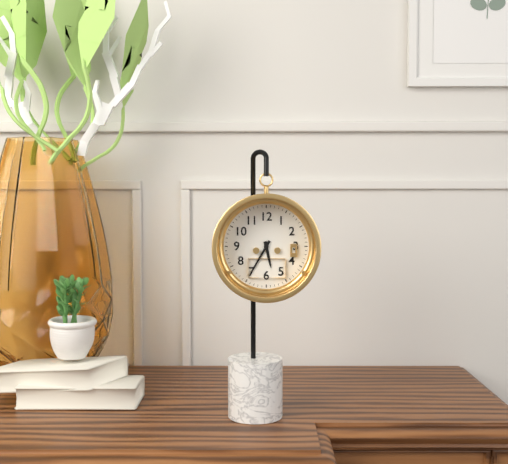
5:35
